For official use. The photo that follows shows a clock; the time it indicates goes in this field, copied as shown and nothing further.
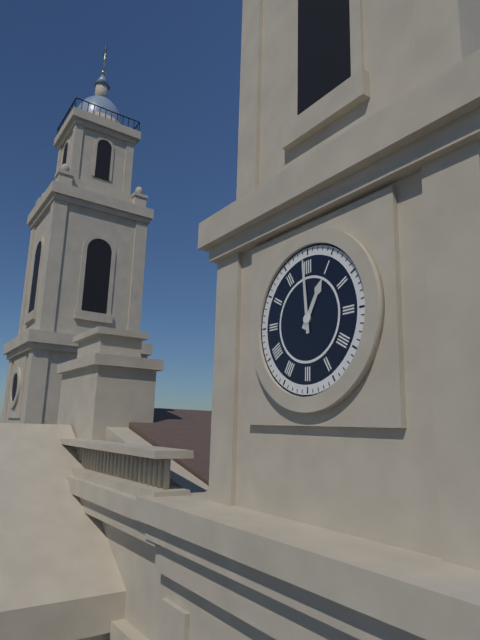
12:59
